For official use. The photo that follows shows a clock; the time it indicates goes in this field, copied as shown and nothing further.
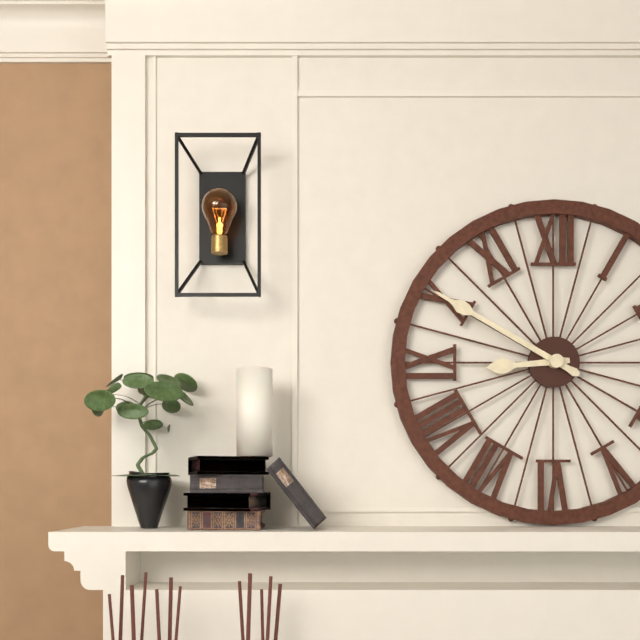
8:50
